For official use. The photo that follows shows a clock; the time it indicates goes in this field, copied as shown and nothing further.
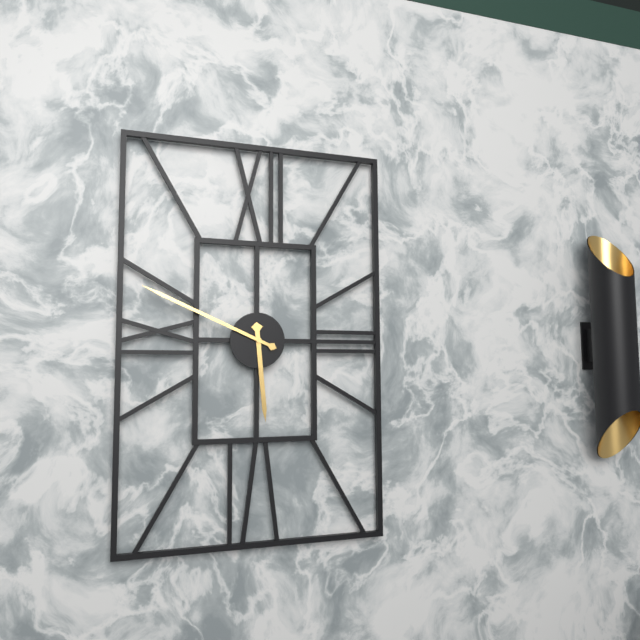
5:49
